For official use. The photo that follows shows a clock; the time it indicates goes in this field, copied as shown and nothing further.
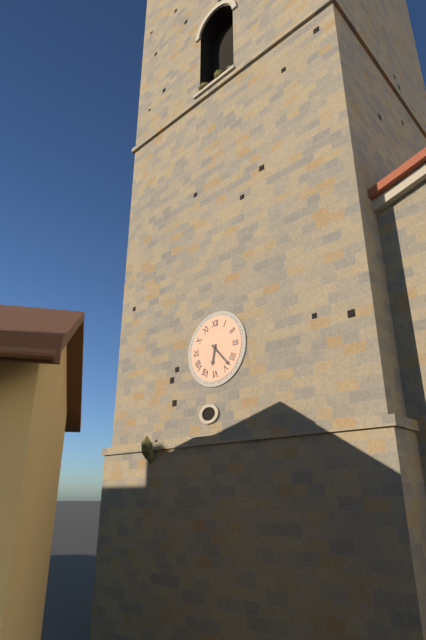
6:23
